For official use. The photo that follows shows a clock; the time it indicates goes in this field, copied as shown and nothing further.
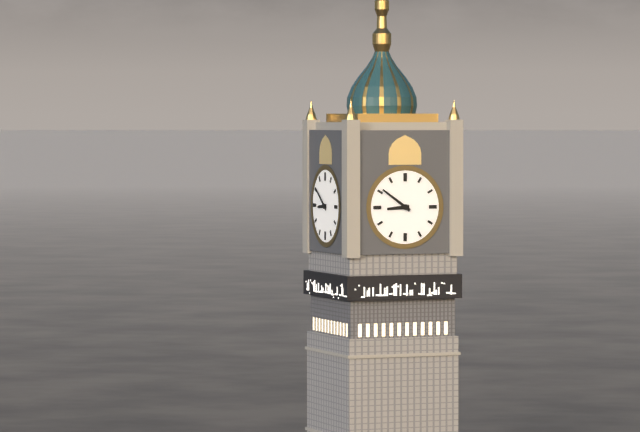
8:51
